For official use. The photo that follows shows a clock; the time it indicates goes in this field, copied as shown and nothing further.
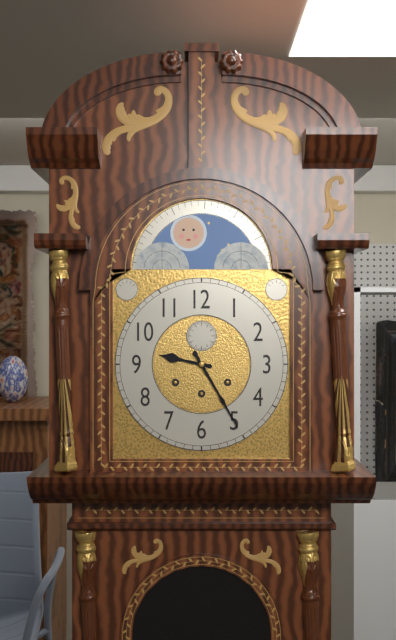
9:25
